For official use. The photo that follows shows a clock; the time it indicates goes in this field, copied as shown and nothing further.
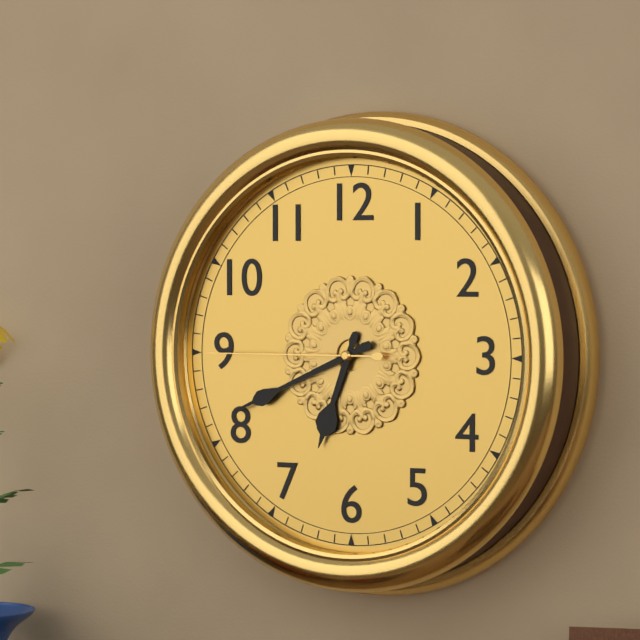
6:41:45
